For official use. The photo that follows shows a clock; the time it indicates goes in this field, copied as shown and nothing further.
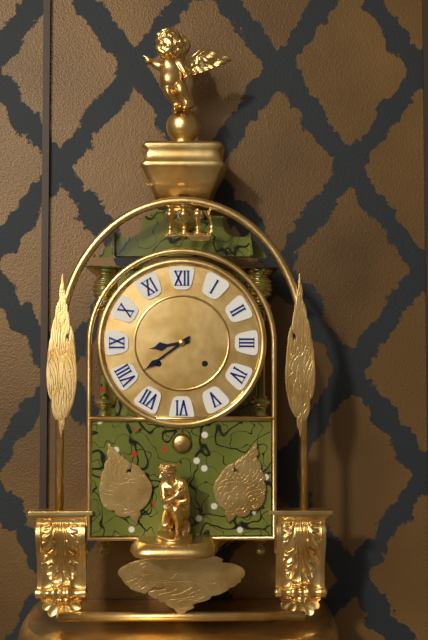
8:39
